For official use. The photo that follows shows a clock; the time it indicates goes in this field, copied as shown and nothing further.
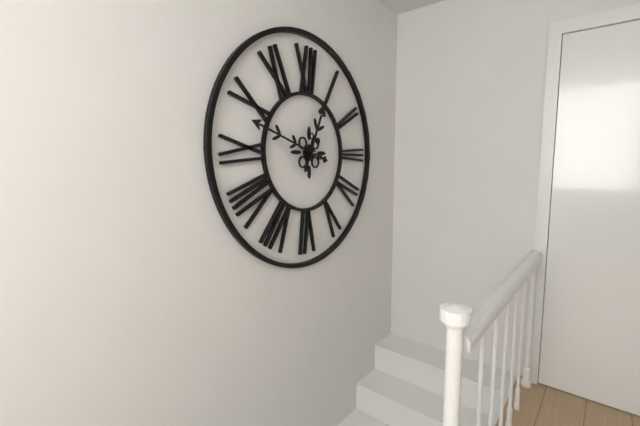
12:48
